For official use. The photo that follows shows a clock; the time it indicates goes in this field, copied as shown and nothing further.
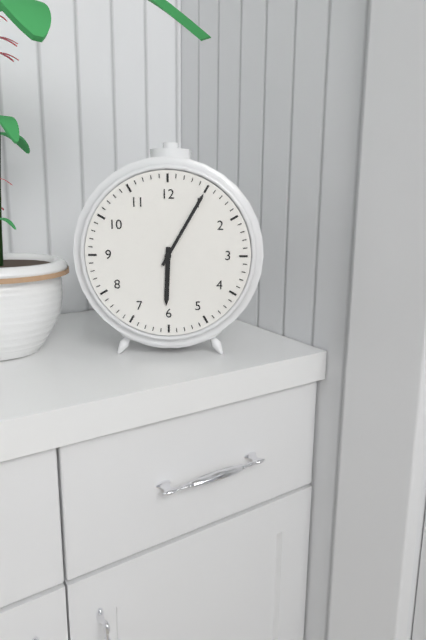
6:05
